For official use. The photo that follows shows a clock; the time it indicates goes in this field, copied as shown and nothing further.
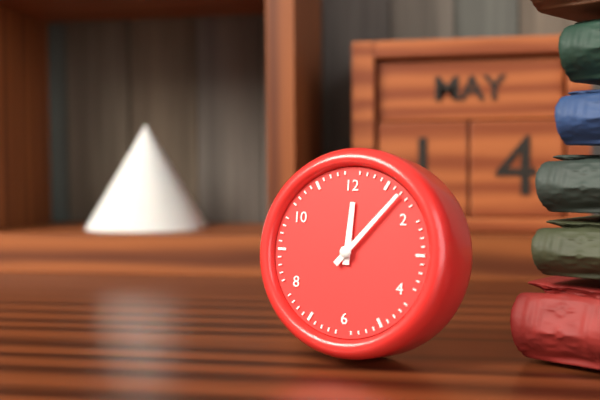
12:07
